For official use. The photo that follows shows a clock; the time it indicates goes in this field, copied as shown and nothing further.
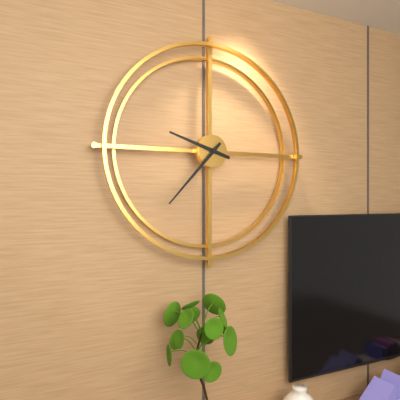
9:37
